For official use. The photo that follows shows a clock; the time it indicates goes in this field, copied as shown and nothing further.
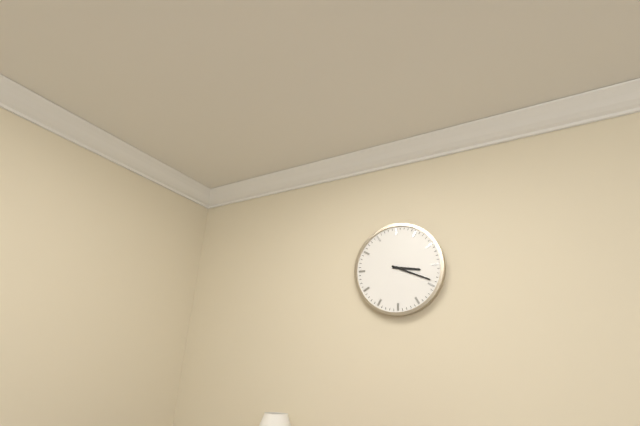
3:19
